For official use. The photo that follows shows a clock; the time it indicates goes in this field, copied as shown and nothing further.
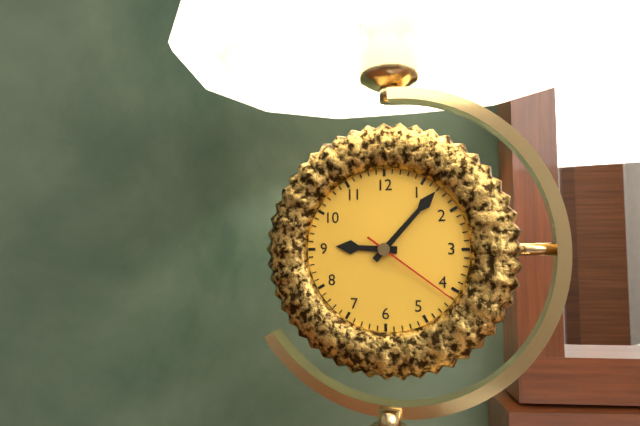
9:07:21
